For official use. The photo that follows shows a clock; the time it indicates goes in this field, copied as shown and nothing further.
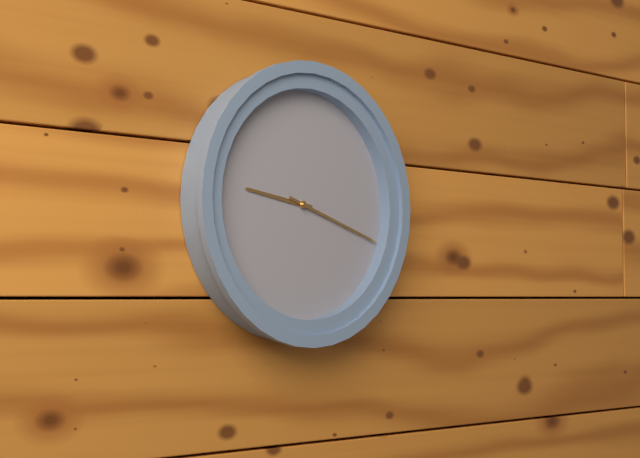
9:18
